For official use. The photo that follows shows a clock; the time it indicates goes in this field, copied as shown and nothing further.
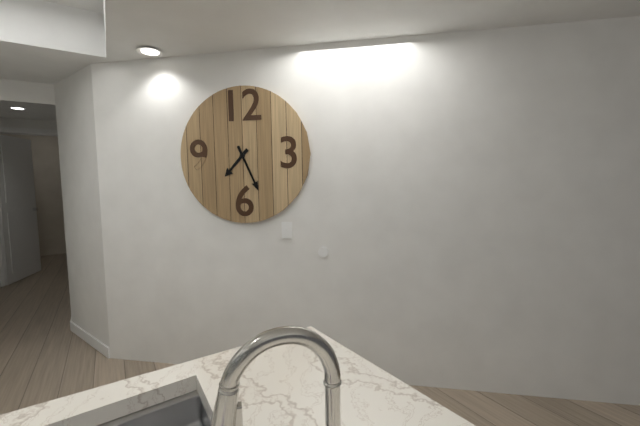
7:26
